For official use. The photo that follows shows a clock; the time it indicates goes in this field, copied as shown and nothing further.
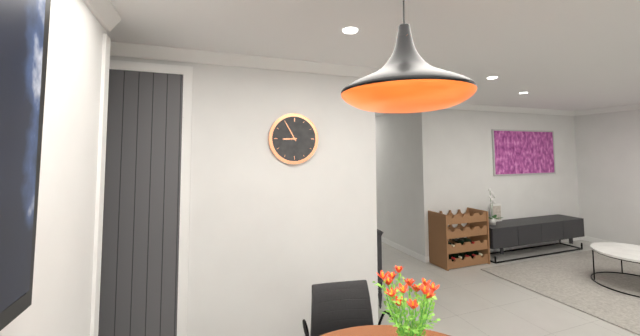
8:55
